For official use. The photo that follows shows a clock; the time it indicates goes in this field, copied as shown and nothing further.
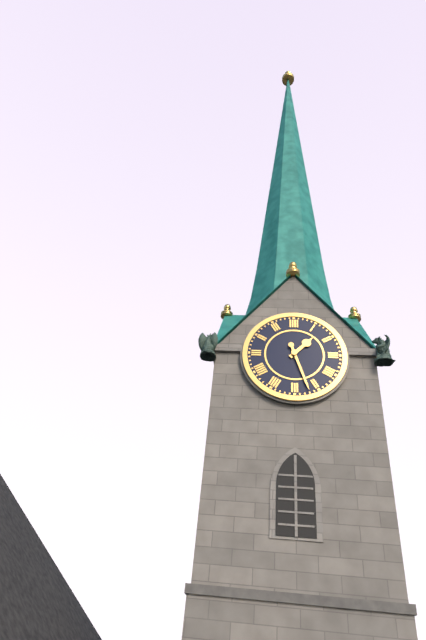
1:27
